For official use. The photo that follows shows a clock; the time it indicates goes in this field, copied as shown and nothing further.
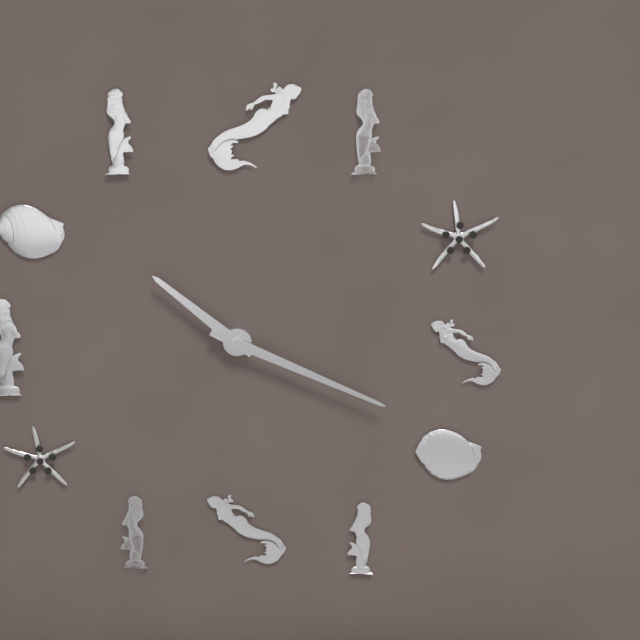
10:19
